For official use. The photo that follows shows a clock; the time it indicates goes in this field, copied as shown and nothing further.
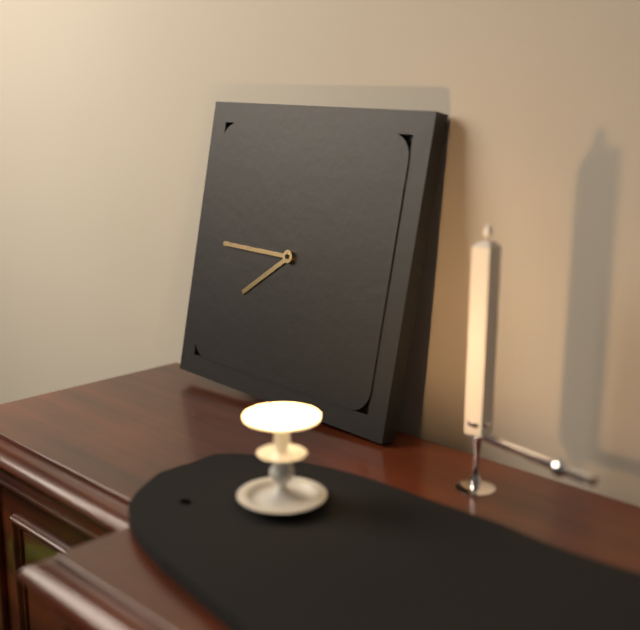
7:45
